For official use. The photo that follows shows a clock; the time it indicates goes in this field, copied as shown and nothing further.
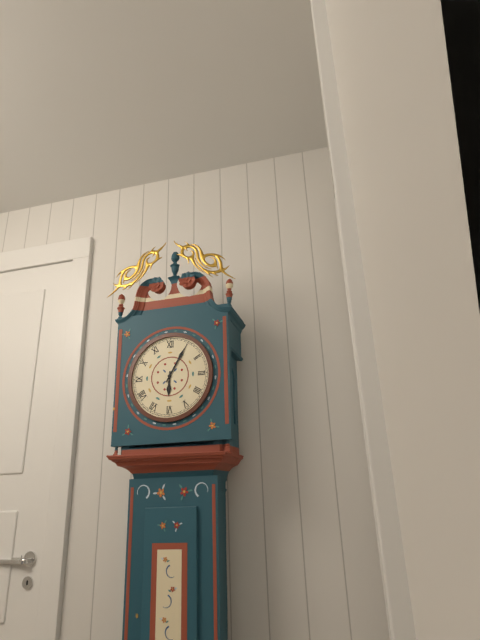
6:05
